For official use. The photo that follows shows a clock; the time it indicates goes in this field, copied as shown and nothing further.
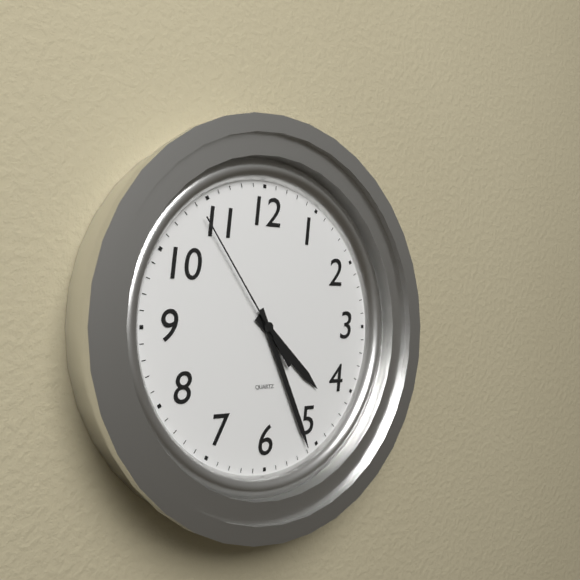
4:26:54
